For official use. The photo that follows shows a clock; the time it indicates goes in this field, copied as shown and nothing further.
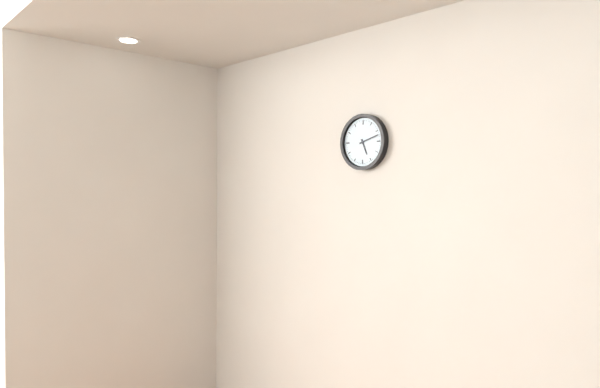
5:12
